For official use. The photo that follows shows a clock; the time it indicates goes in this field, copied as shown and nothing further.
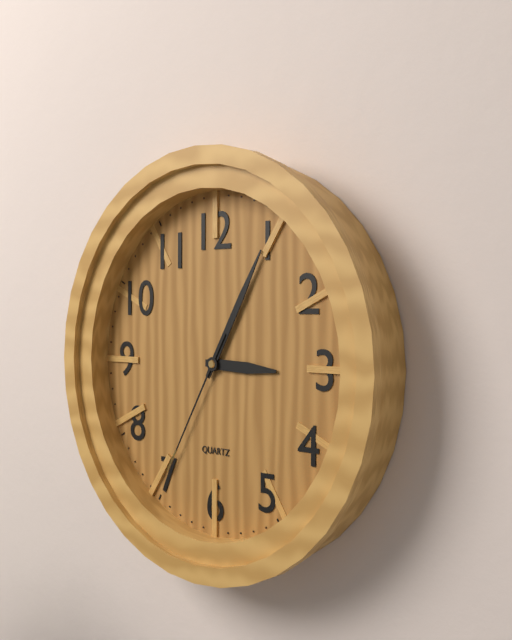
3:05:35
